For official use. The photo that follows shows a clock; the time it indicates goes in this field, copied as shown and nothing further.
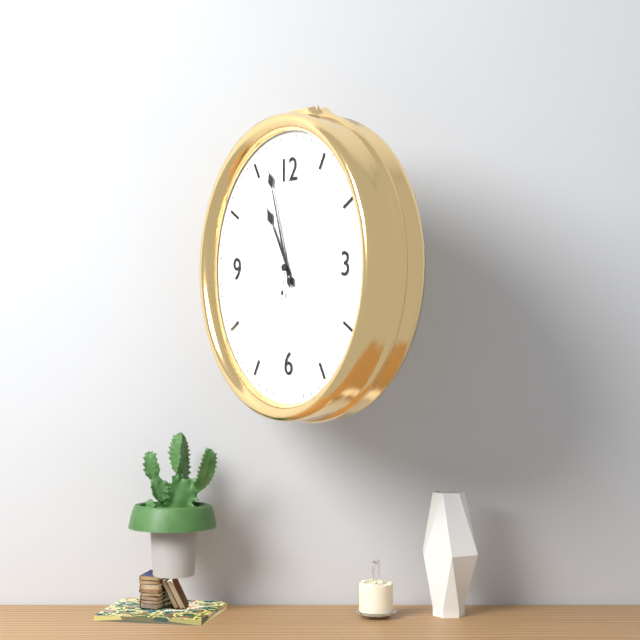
10:57:02
